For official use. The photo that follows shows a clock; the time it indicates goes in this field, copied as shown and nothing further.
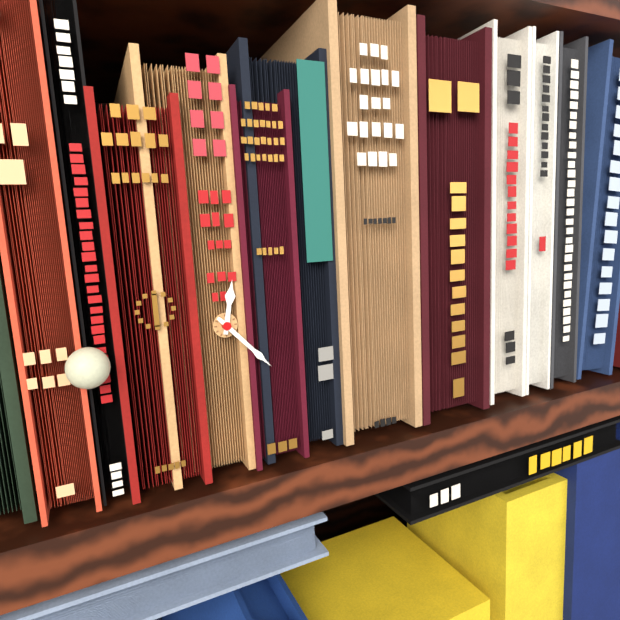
12:23
